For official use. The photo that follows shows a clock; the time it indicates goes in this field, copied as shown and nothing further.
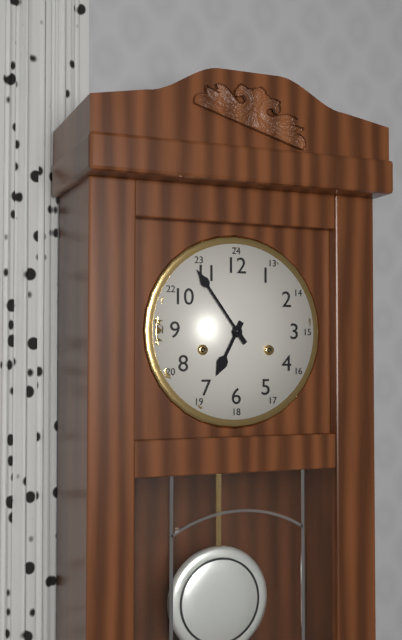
6:54
